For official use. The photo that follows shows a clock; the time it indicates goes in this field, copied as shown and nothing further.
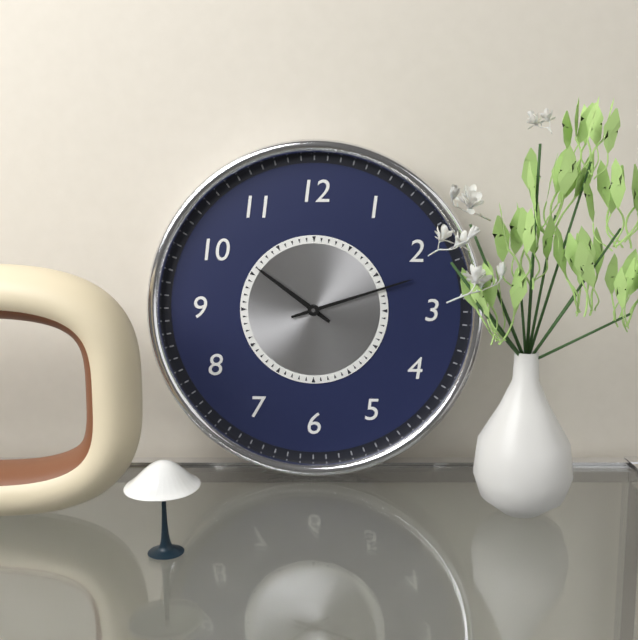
10:12
